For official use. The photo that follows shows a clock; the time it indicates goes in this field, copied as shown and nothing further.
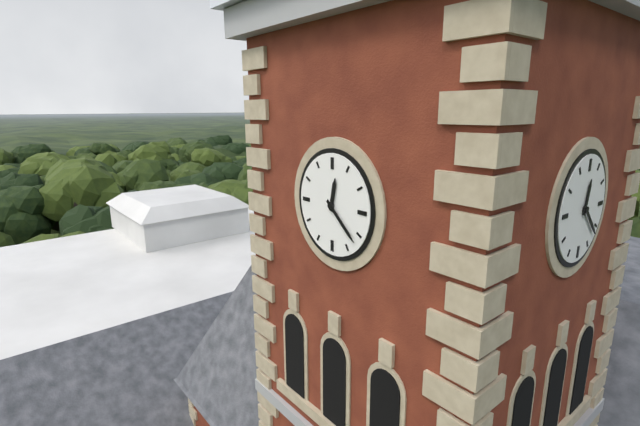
12:22
